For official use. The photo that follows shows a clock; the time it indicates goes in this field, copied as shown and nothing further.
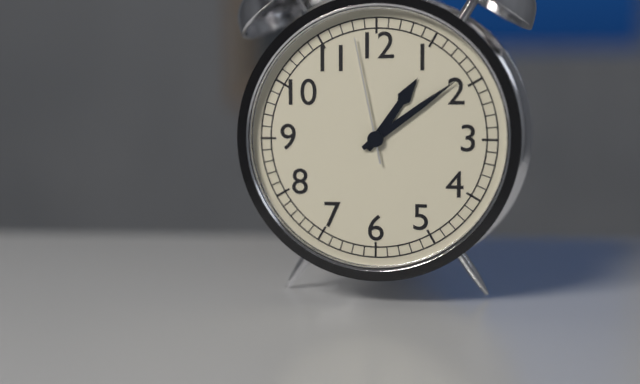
1:09:58
